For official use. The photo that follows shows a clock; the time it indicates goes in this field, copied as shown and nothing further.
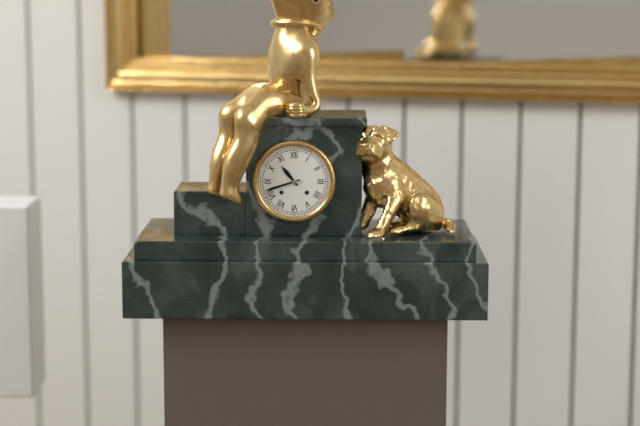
10:42
